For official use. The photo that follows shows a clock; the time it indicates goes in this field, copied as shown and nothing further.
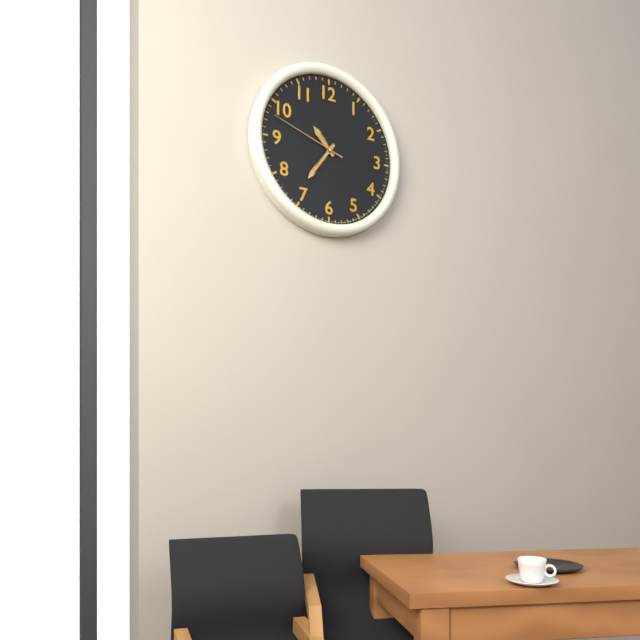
10:36:48
